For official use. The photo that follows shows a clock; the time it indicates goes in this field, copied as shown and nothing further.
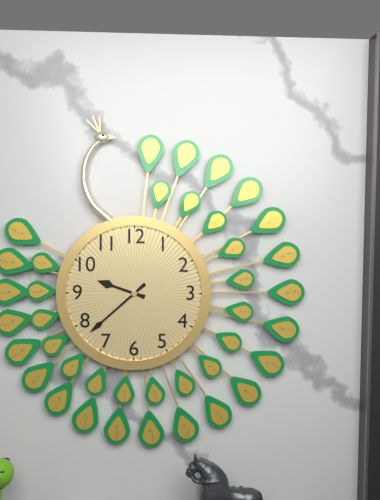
9:38
